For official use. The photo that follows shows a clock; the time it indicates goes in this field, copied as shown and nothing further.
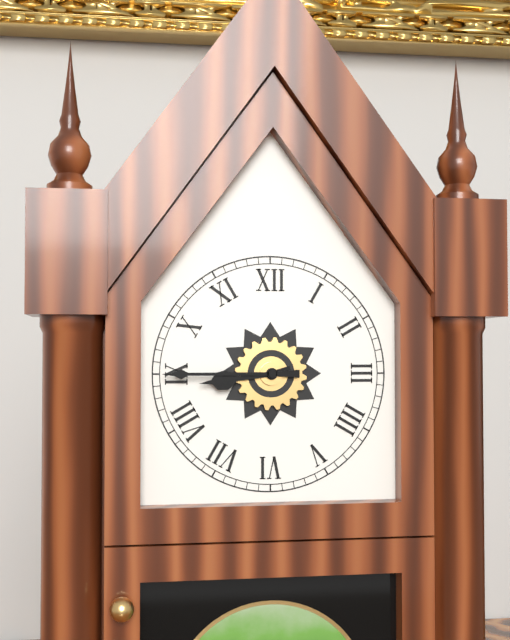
8:45
